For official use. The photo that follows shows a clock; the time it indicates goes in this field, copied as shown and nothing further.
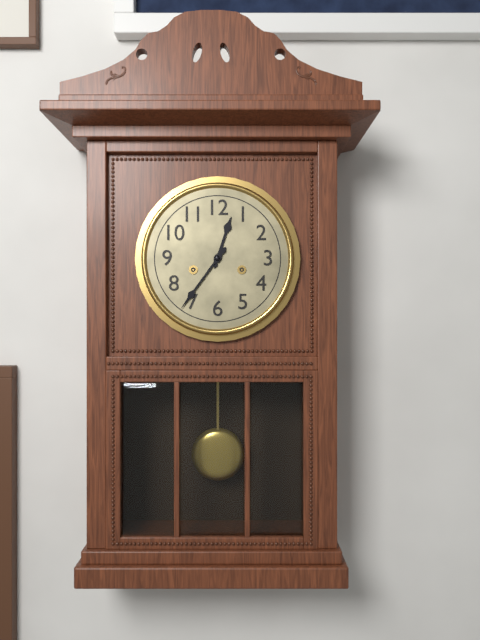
12:36
